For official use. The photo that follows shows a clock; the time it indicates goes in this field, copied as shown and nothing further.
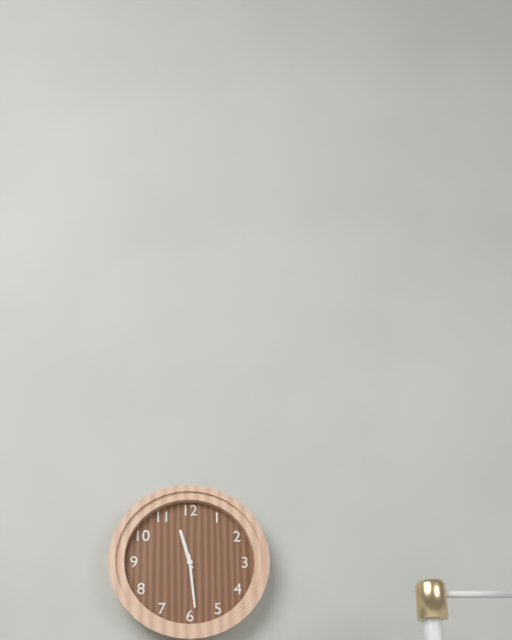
11:29
